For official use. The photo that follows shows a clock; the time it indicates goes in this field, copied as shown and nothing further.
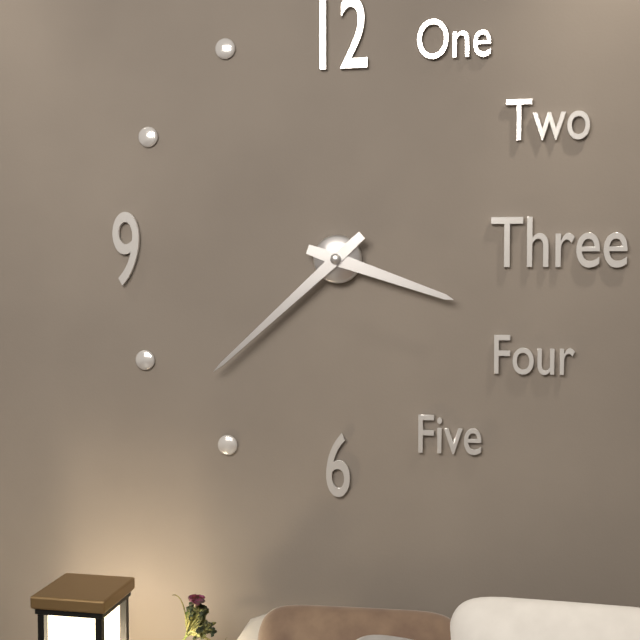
3:38
